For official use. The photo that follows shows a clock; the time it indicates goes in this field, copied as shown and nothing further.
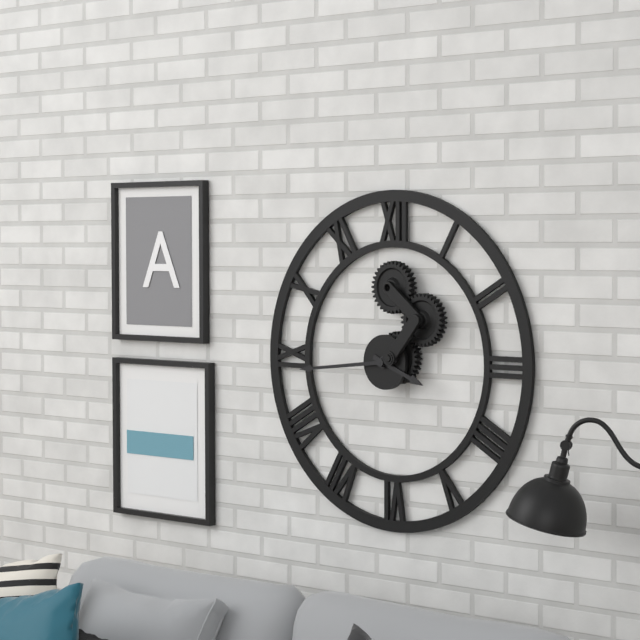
3:44
